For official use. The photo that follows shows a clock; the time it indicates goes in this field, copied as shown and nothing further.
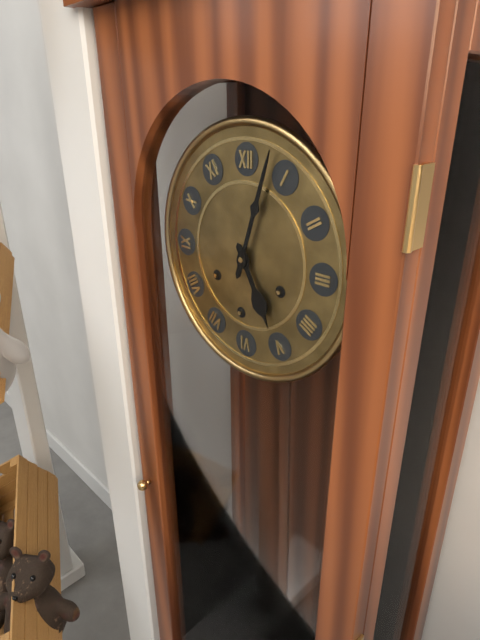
5:03
